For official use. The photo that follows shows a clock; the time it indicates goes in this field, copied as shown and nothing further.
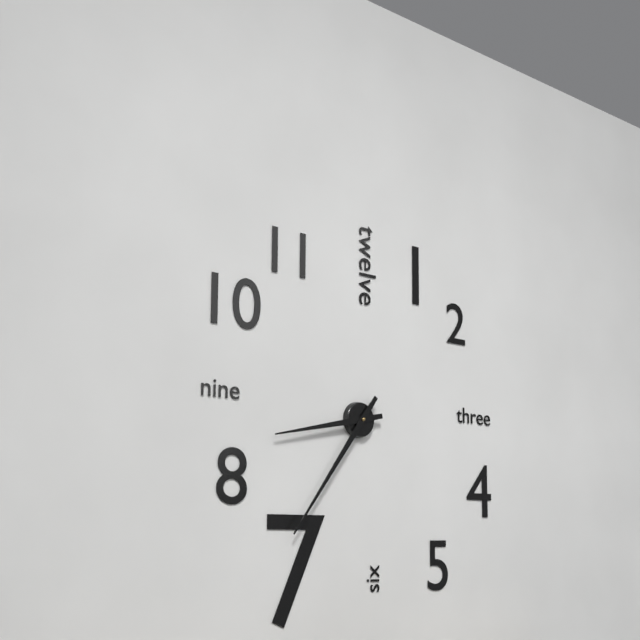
8:36
